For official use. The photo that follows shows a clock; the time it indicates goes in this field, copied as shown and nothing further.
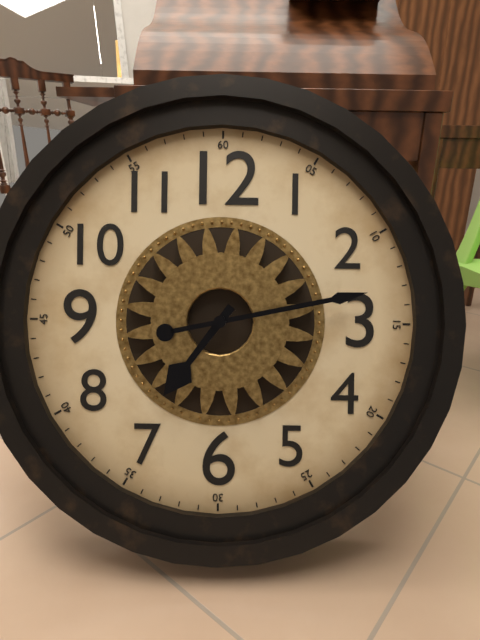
7:13
